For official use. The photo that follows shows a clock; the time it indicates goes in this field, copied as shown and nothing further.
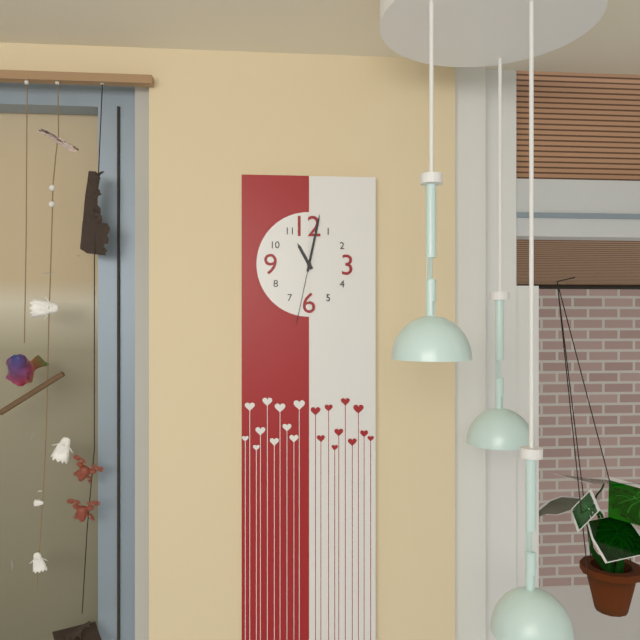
11:02:32
